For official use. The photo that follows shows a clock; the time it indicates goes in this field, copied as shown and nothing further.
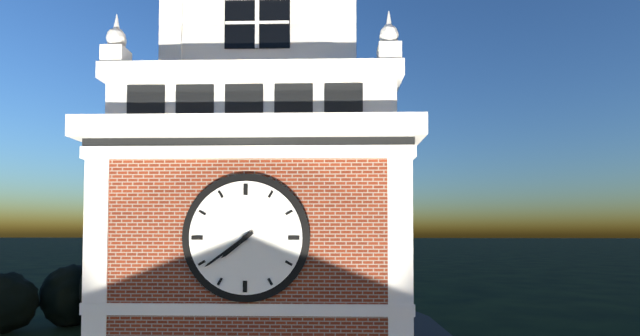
7:39
